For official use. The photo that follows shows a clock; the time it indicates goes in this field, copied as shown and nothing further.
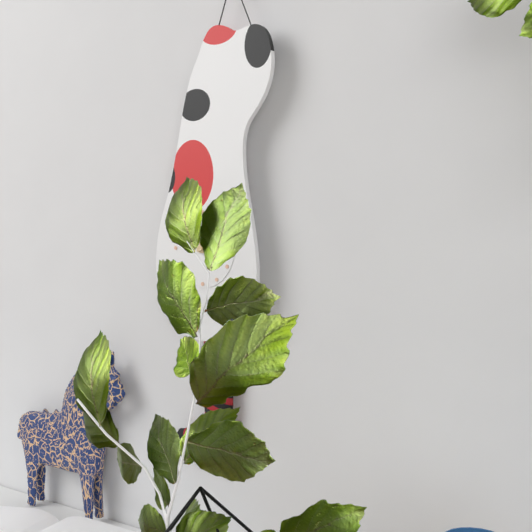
12:13
